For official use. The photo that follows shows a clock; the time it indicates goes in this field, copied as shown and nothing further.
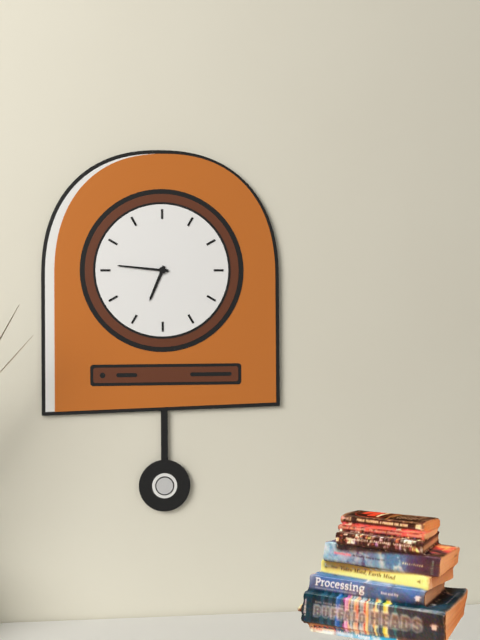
6:46
